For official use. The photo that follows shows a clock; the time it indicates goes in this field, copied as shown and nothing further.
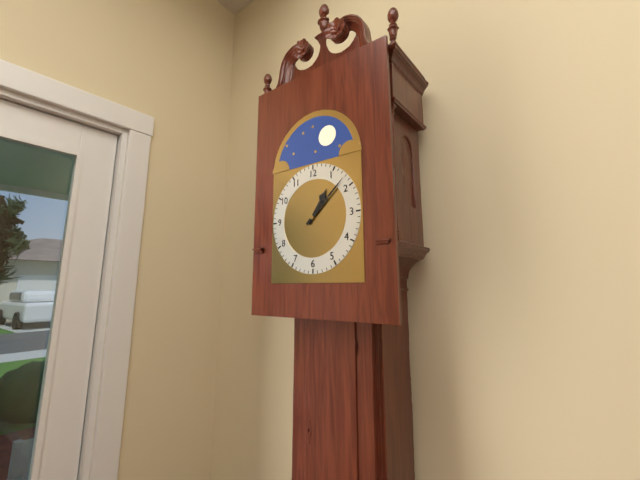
1:08
